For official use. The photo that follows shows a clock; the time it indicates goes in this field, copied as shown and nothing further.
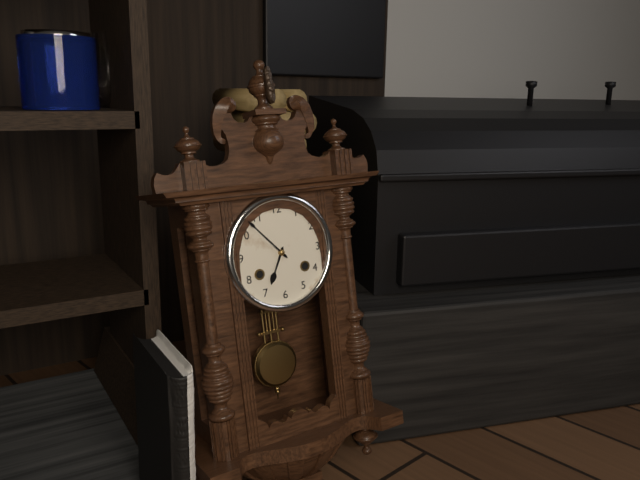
6:53
